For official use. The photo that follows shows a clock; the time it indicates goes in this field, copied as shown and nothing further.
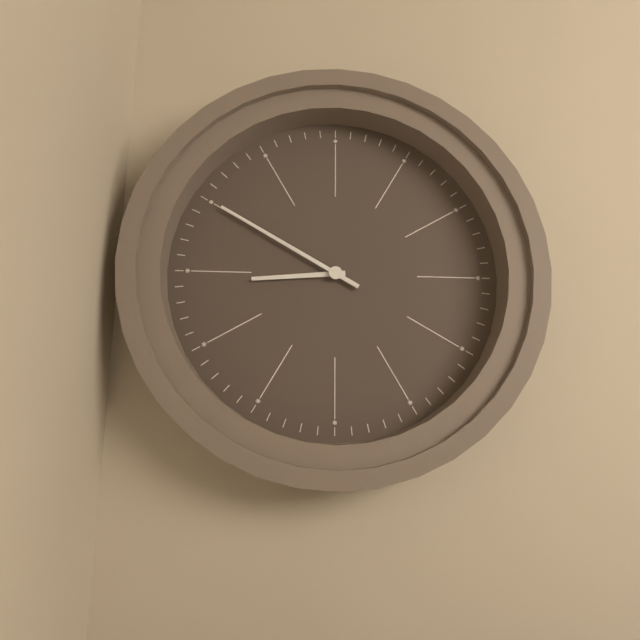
8:50
